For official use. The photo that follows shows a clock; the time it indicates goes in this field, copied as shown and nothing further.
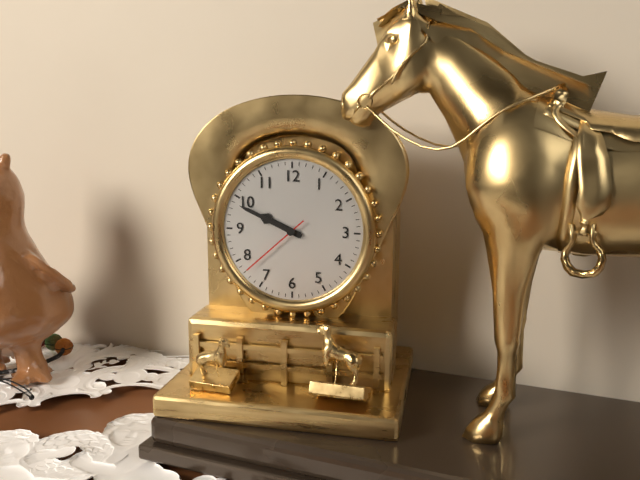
9:49:38
